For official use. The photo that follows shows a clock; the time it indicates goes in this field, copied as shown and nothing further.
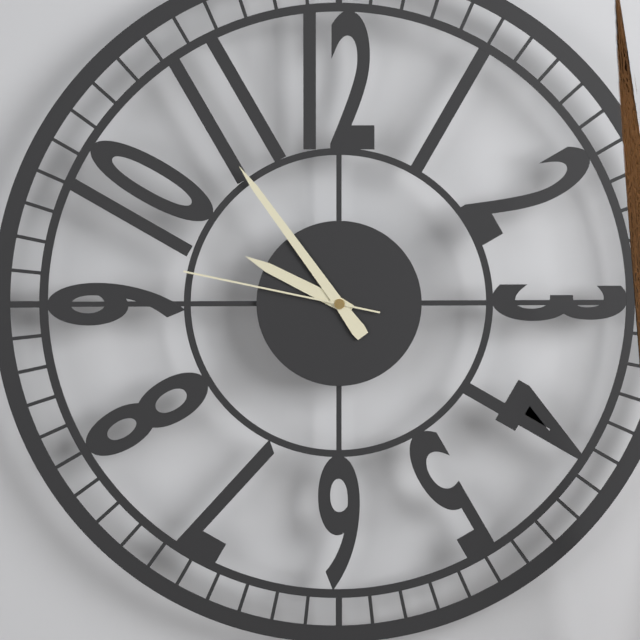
9:54:47
